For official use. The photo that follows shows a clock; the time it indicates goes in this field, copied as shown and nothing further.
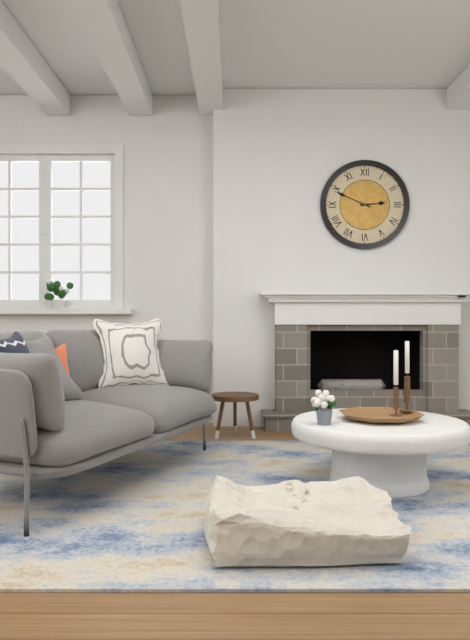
2:49
